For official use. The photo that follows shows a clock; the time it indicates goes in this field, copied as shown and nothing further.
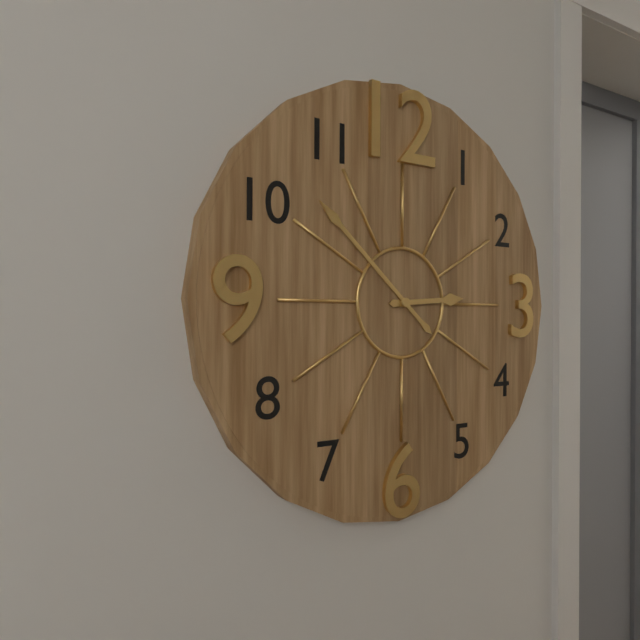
2:52
